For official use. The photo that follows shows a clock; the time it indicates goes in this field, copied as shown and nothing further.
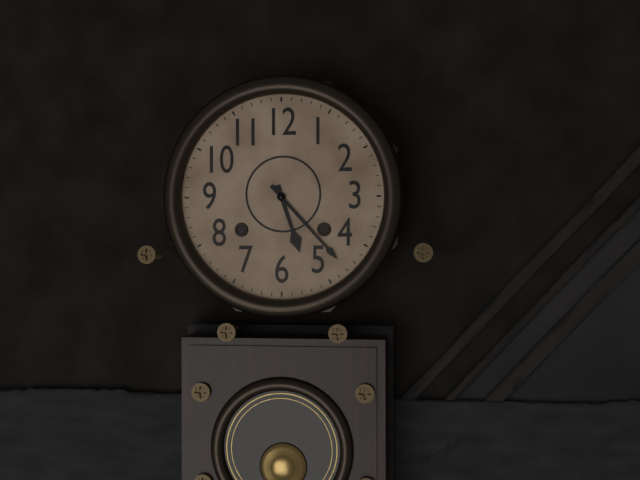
5:23
